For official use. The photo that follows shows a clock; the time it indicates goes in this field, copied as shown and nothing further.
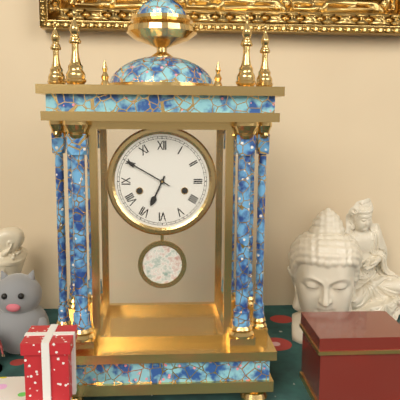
6:50
